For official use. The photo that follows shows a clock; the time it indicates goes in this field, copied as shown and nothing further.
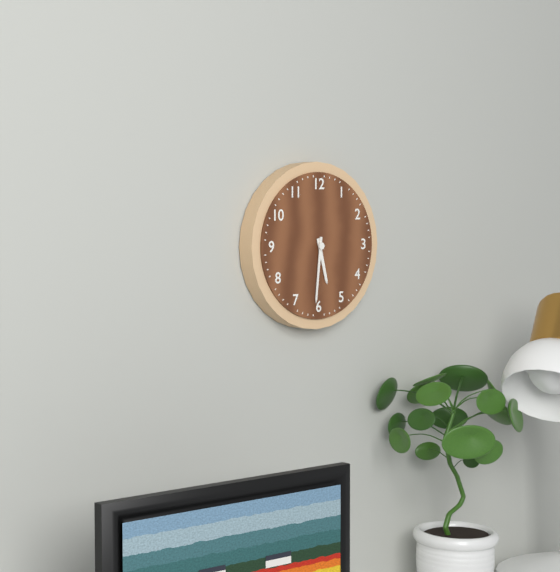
5:31
